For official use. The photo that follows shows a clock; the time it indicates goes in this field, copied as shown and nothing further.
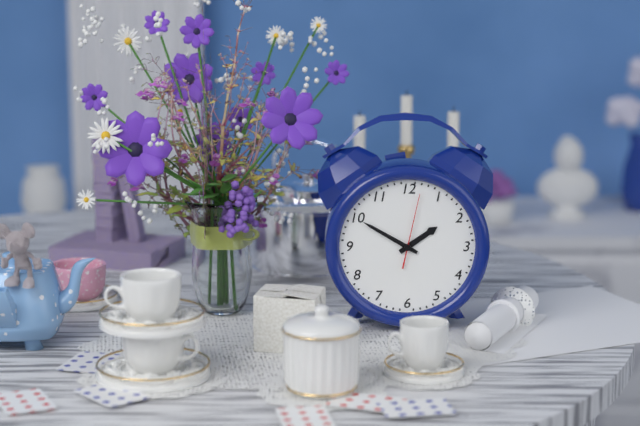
1:50:02
